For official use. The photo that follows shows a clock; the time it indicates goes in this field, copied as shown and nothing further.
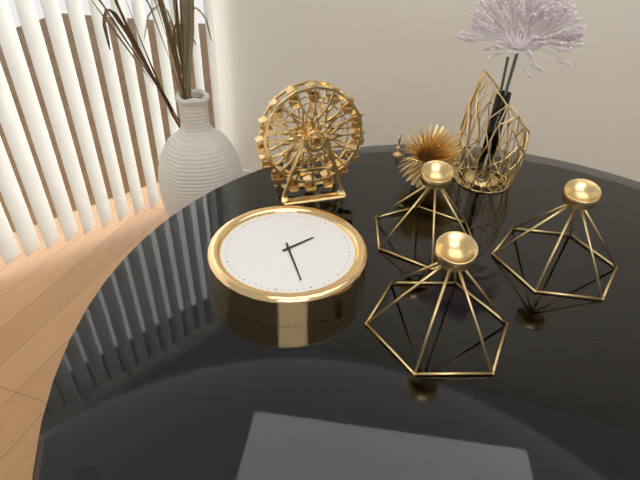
1:26
